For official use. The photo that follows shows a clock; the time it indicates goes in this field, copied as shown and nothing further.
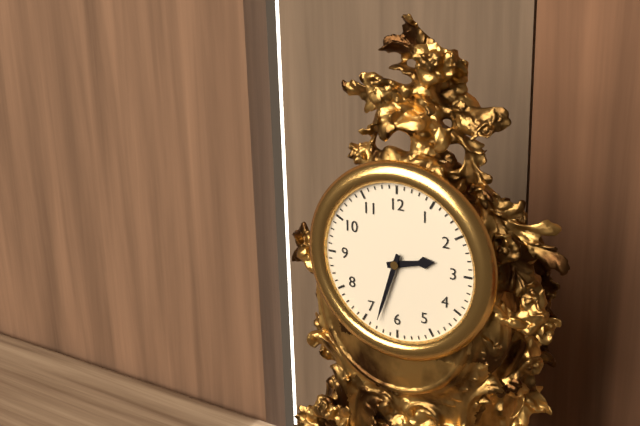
2:33
